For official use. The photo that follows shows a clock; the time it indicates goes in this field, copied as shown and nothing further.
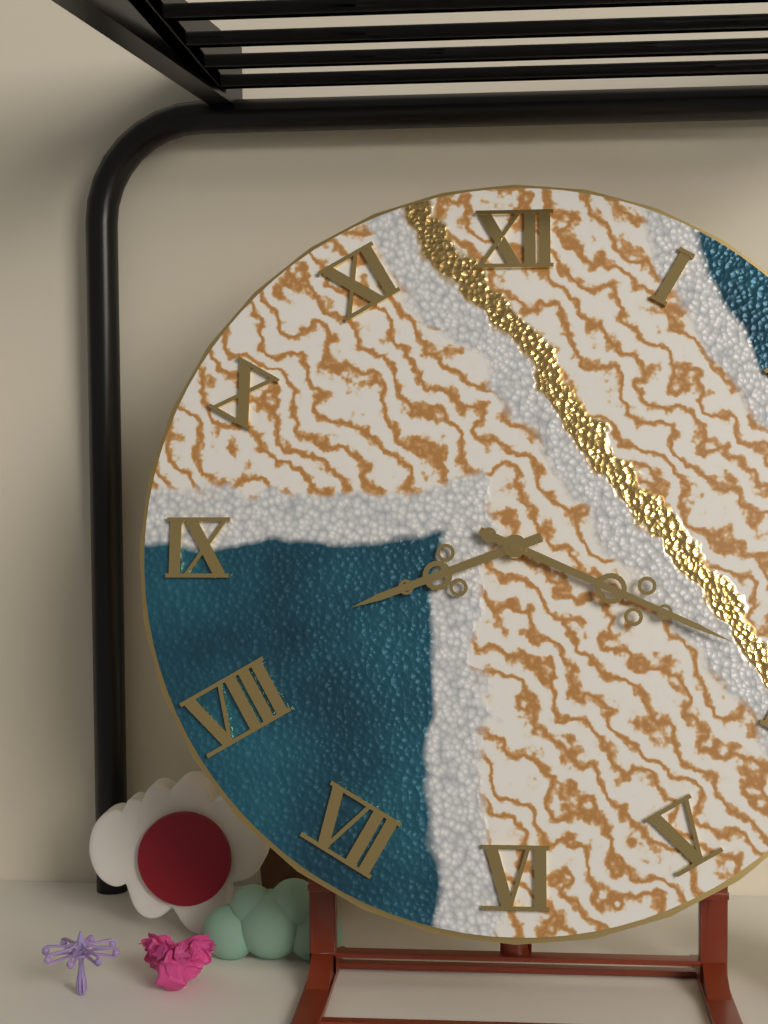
8:19
